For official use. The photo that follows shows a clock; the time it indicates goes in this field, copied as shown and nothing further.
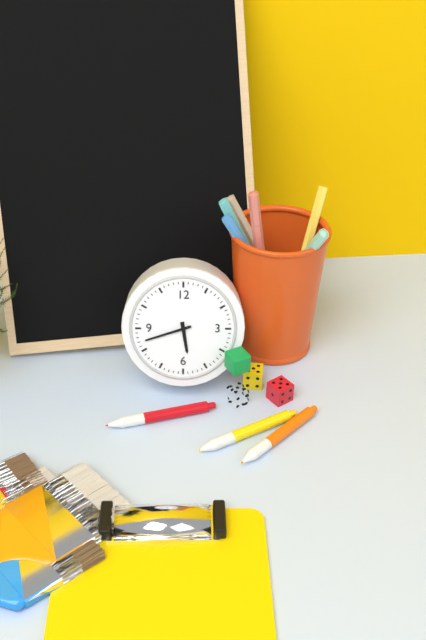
5:42
